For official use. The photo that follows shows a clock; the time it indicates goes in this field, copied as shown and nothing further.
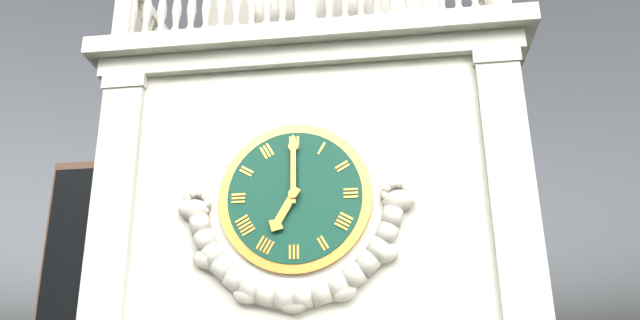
7:00
